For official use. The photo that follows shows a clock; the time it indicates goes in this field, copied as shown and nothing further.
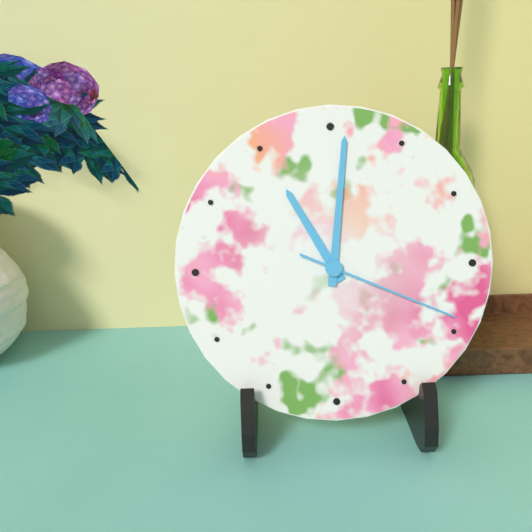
11:01:19
